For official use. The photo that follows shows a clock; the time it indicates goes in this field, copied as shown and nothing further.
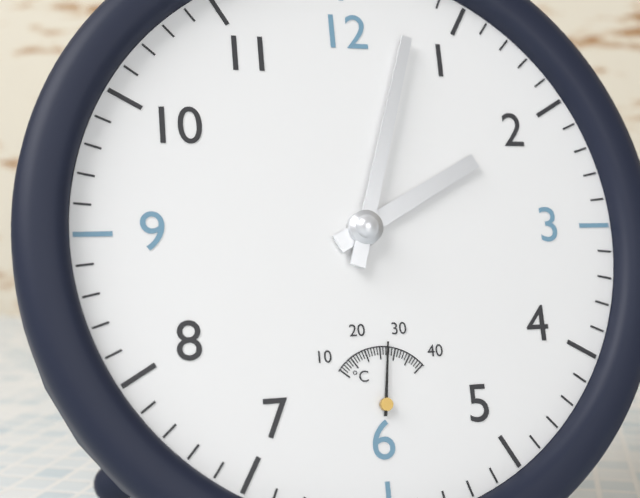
2:03
